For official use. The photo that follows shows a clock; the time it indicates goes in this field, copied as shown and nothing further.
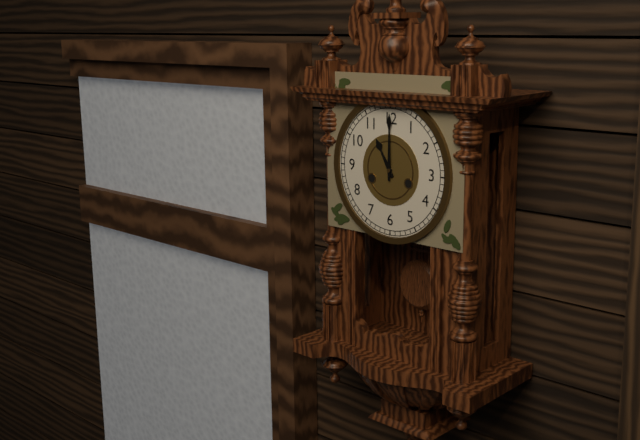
11:00
